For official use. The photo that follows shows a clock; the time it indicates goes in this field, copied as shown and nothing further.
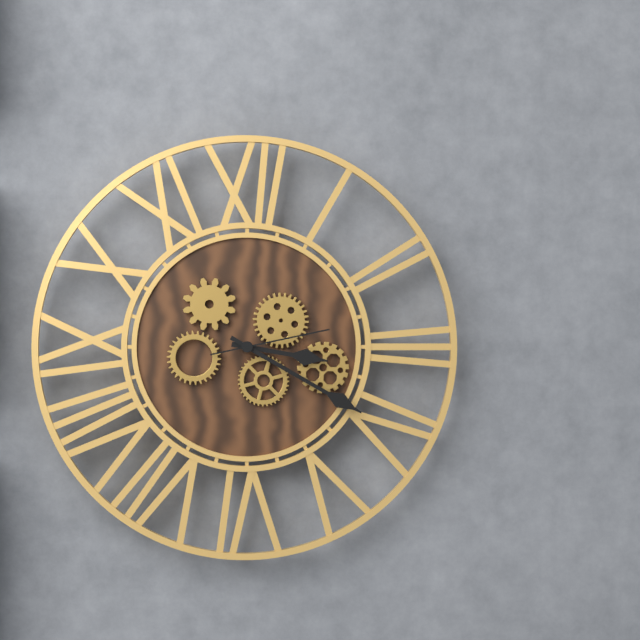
3:20:13
